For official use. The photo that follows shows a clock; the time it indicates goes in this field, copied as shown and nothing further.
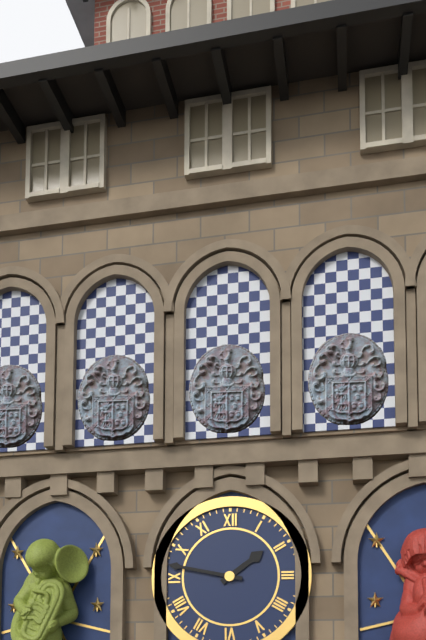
1:47
